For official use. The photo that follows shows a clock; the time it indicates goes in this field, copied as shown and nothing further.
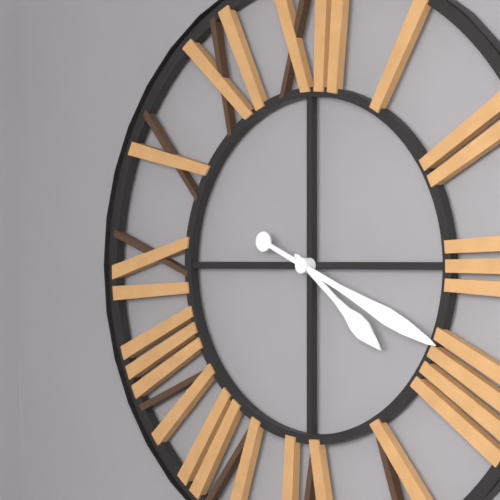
4:19
